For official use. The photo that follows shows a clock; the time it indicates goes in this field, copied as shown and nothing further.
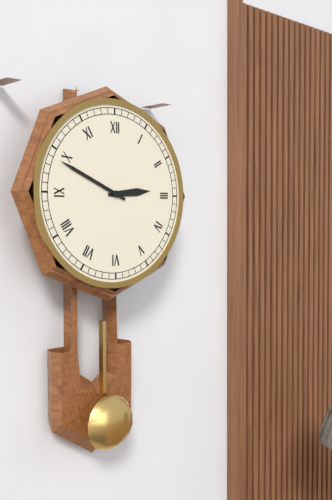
2:49
